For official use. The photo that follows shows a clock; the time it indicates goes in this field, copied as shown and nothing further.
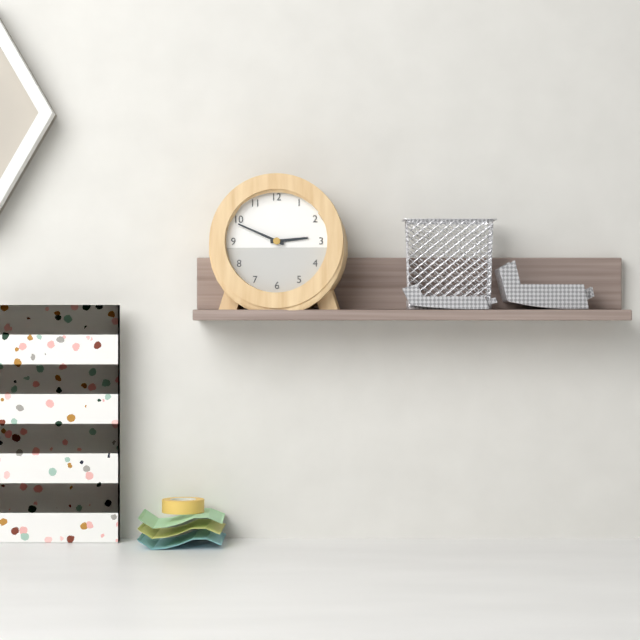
2:49
